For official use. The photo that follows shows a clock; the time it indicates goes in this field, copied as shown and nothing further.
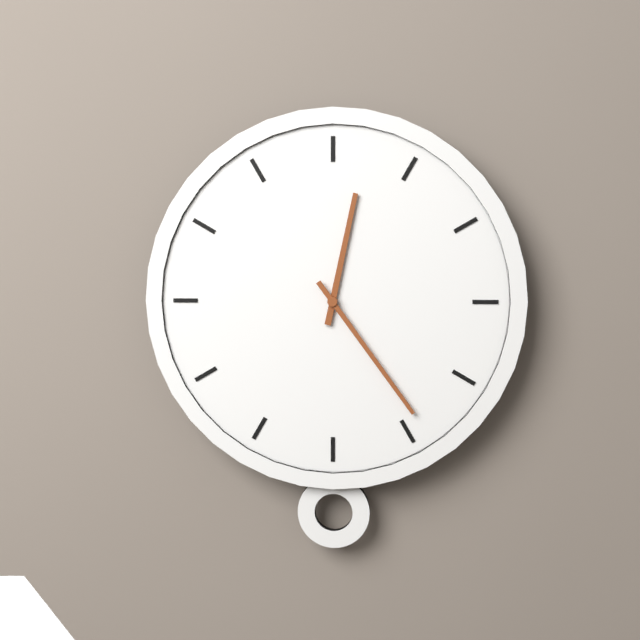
12:24
